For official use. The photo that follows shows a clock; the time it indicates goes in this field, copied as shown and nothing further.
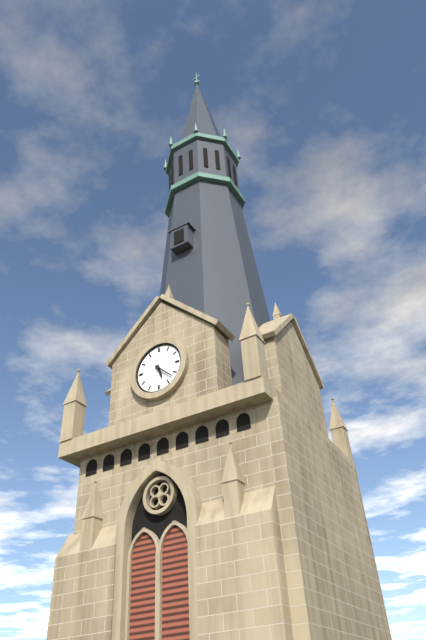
5:22
